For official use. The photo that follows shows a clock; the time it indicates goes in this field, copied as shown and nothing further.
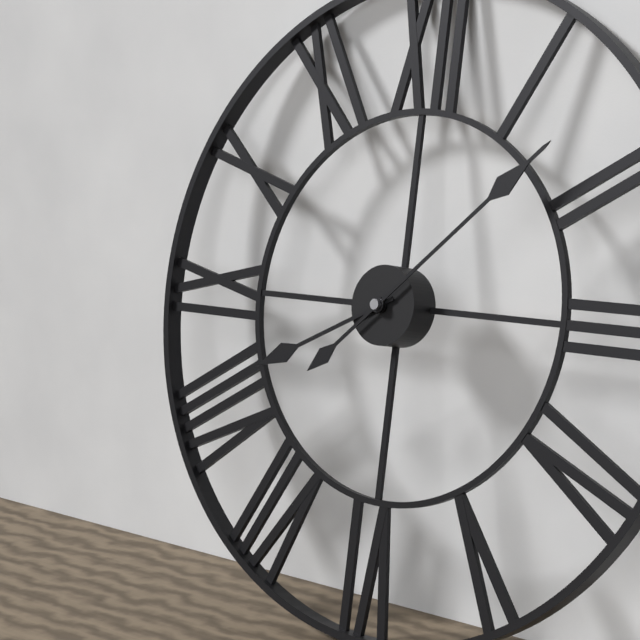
8:08
